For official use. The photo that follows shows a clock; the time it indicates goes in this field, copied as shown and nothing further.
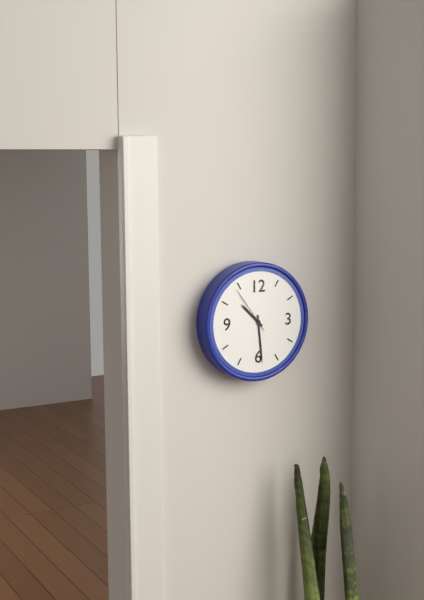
10:29:54
